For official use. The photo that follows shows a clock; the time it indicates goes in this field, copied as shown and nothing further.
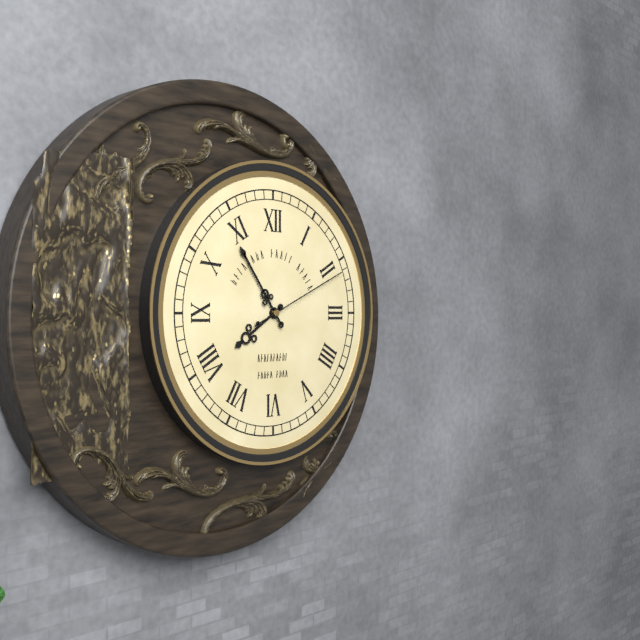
7:54:11
